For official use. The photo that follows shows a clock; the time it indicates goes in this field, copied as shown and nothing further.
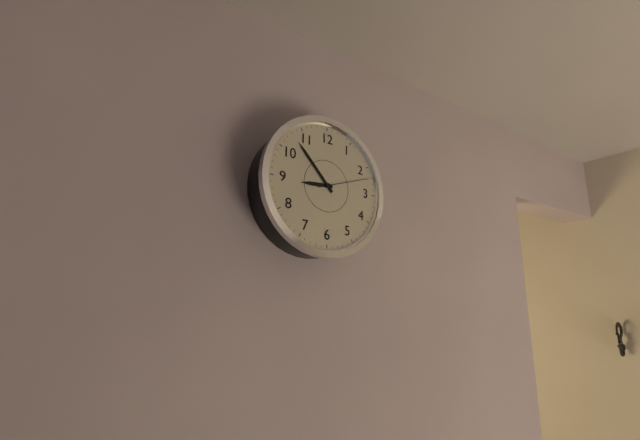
8:53:12
